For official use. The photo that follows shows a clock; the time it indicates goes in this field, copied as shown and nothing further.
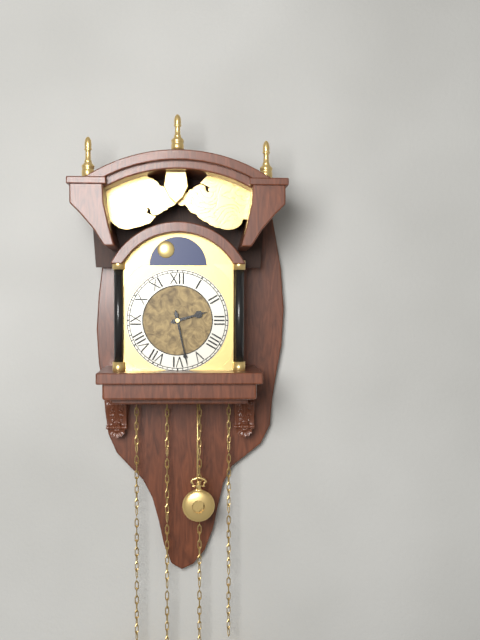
2:28
